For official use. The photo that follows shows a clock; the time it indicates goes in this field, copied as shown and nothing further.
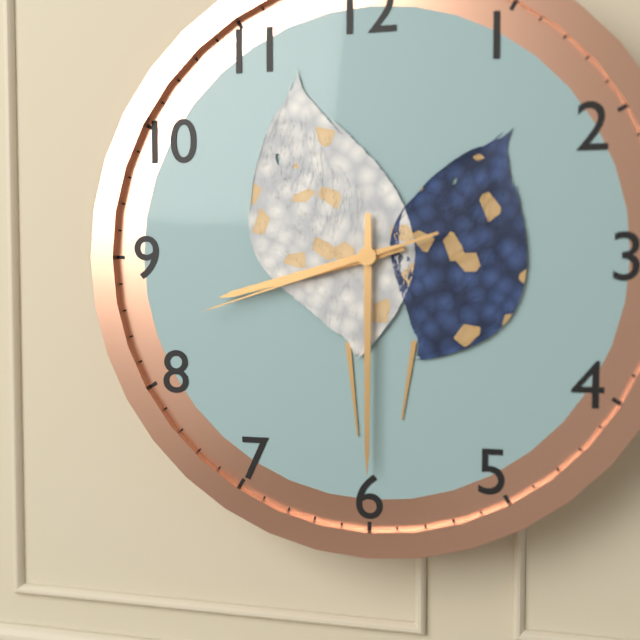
8:30:42
